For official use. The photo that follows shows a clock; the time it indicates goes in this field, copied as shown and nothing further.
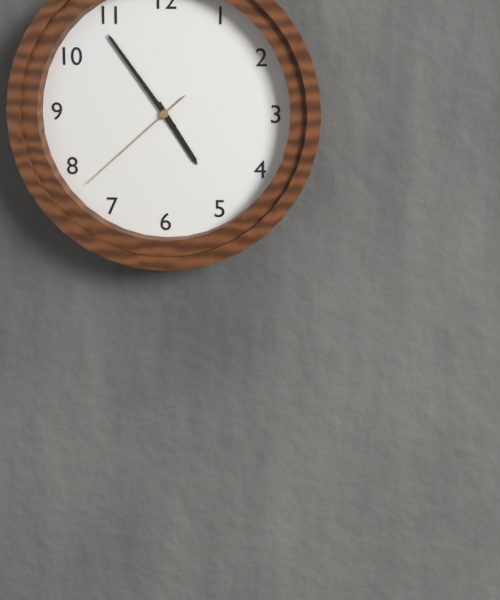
4:54:38
